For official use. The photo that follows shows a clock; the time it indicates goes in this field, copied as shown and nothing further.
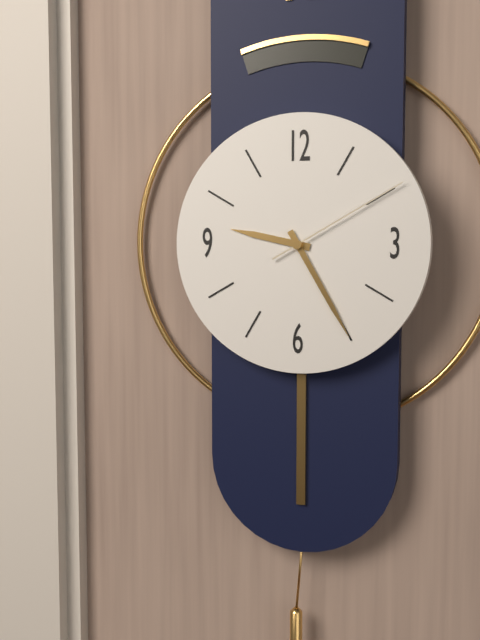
9:25:10
